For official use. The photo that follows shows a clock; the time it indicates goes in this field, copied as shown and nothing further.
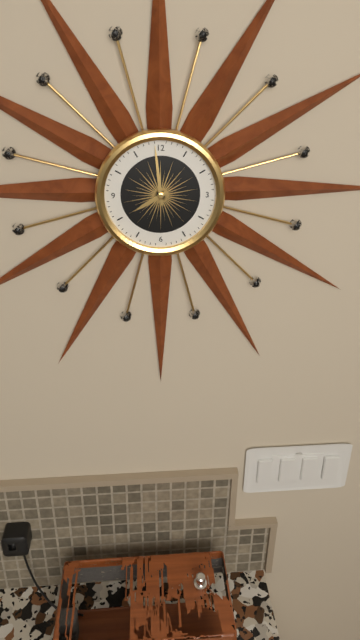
7:59
